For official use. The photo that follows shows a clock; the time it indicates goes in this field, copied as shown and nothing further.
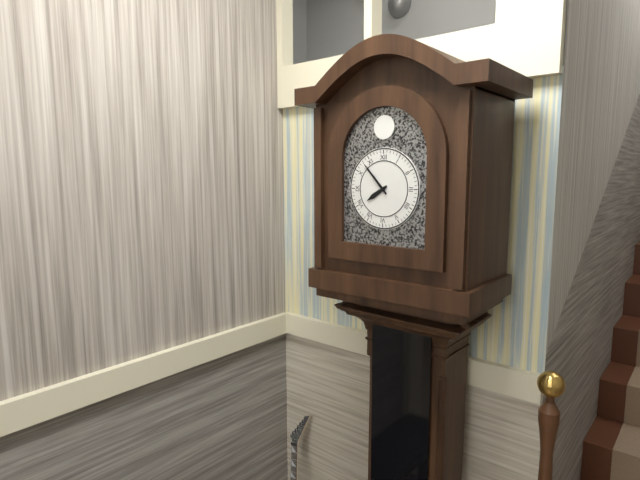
7:53
